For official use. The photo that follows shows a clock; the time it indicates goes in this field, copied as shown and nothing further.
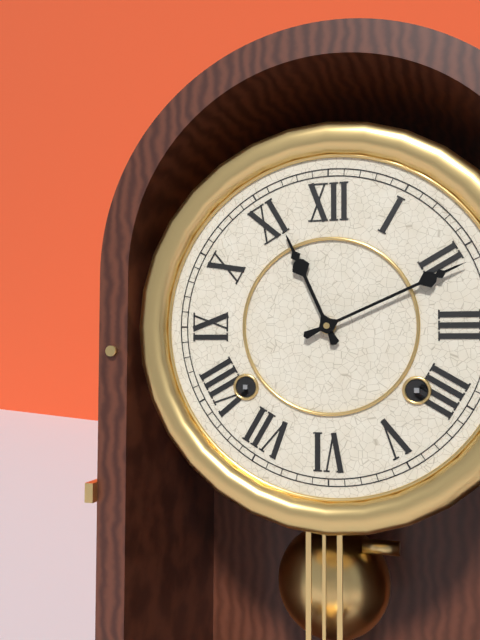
11:11
